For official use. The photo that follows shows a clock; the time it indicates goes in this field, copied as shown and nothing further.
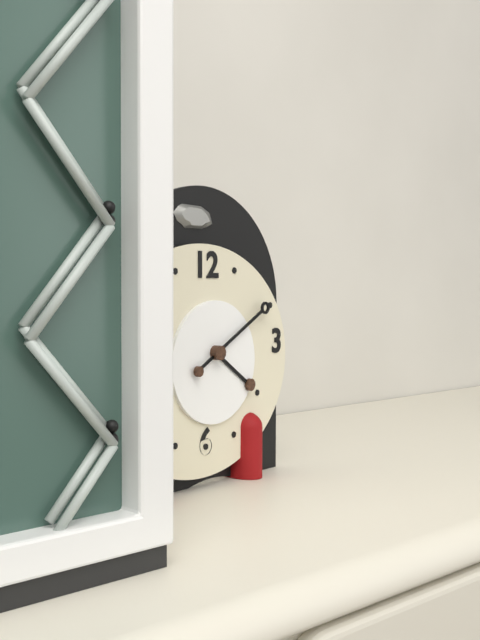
4:10
